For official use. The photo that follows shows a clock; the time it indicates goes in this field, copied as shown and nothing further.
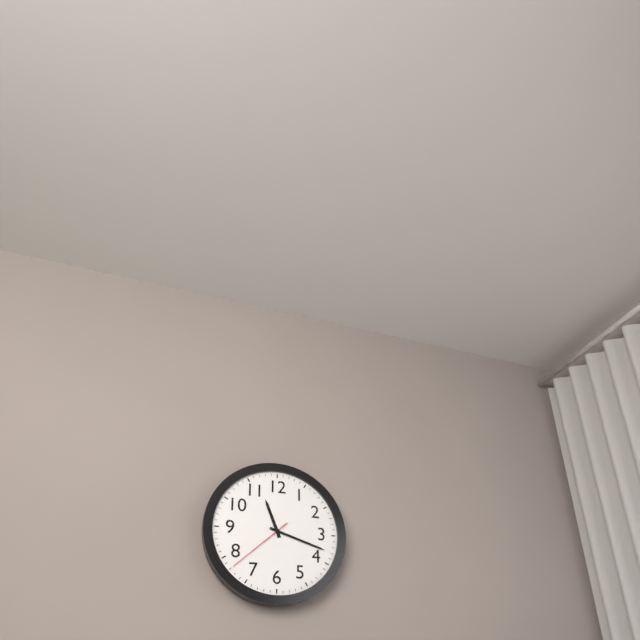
11:18:38
